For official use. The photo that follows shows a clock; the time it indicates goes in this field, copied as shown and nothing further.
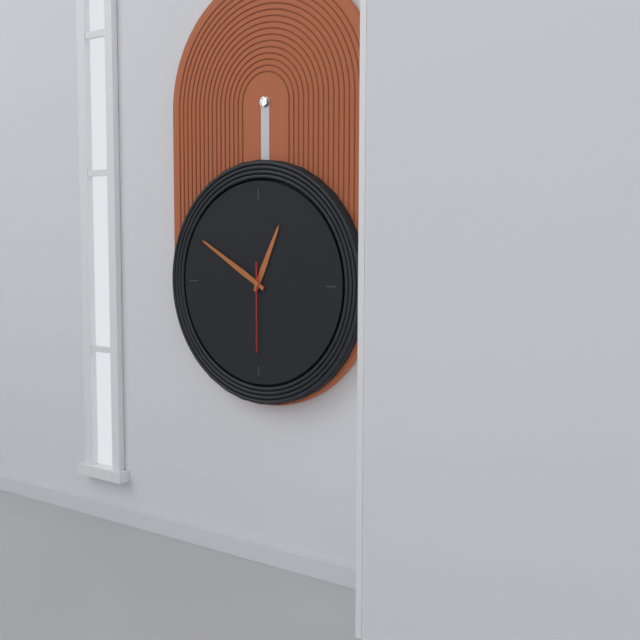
12:50:30
